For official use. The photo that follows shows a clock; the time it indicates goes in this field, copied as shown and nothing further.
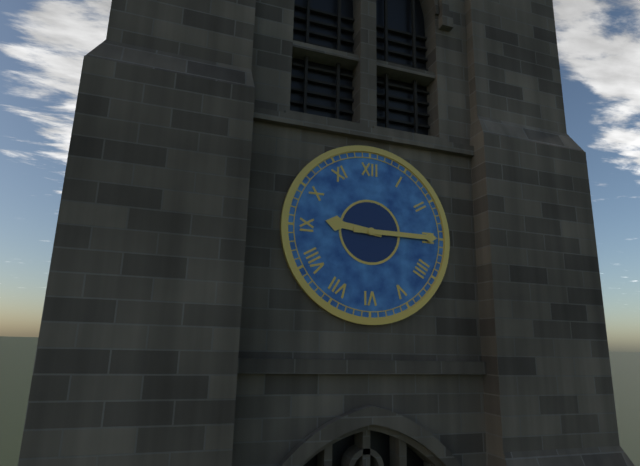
9:15
